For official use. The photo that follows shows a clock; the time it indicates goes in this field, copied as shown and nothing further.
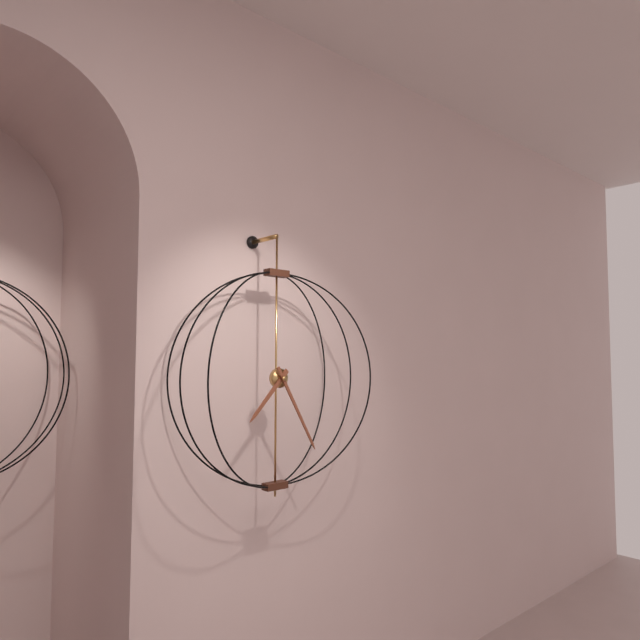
7:25
